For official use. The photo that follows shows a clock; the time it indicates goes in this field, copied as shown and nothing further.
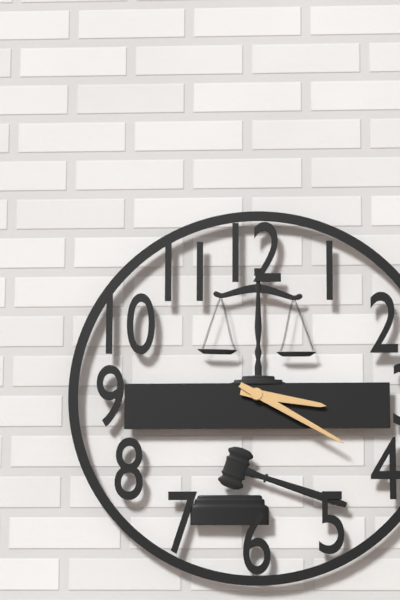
3:20
